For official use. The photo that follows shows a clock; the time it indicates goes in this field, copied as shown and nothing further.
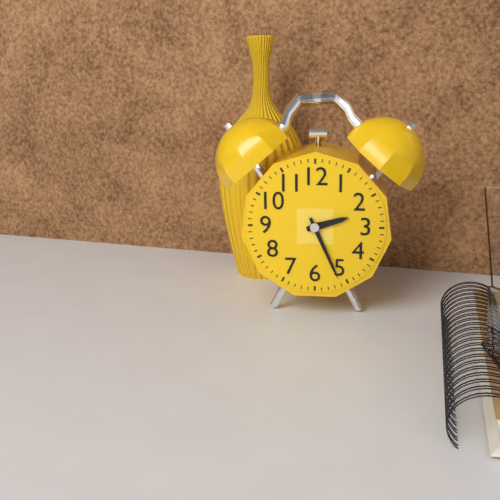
2:26
